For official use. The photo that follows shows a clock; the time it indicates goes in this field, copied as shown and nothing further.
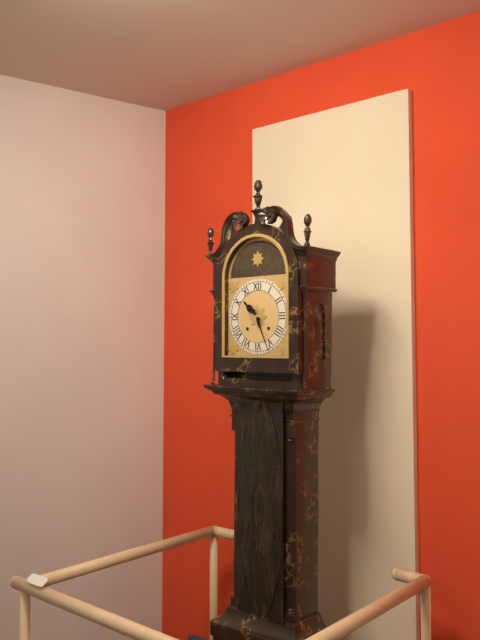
10:26
